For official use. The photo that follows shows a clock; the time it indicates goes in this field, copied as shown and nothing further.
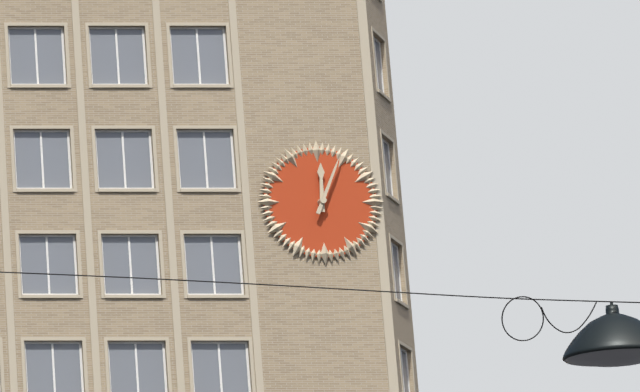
12:04
